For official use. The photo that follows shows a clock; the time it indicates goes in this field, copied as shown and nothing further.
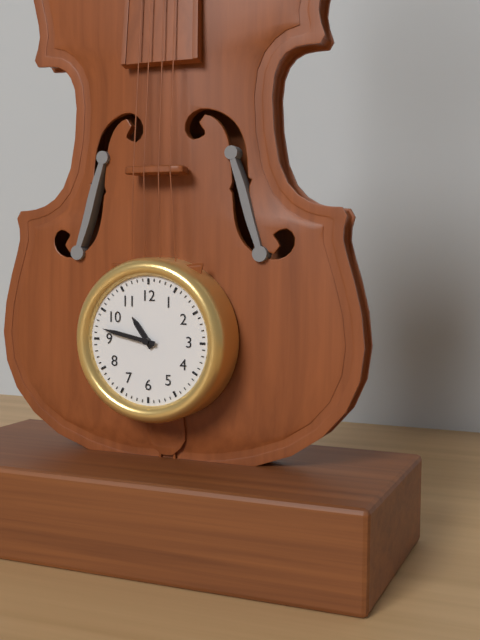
10:47
